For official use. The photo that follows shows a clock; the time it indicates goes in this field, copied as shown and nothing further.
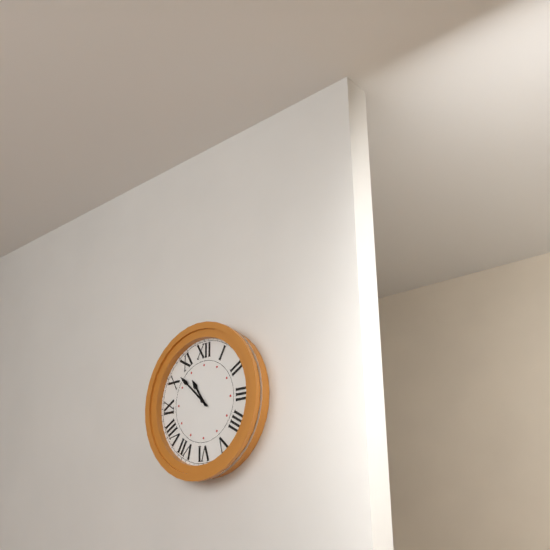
10:52
